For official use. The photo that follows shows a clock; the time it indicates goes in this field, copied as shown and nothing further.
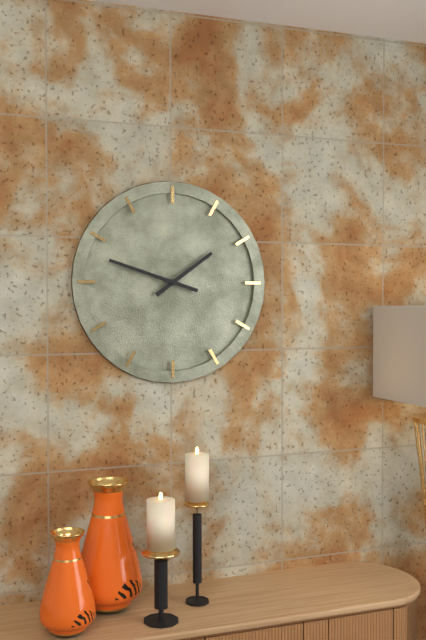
1:48
